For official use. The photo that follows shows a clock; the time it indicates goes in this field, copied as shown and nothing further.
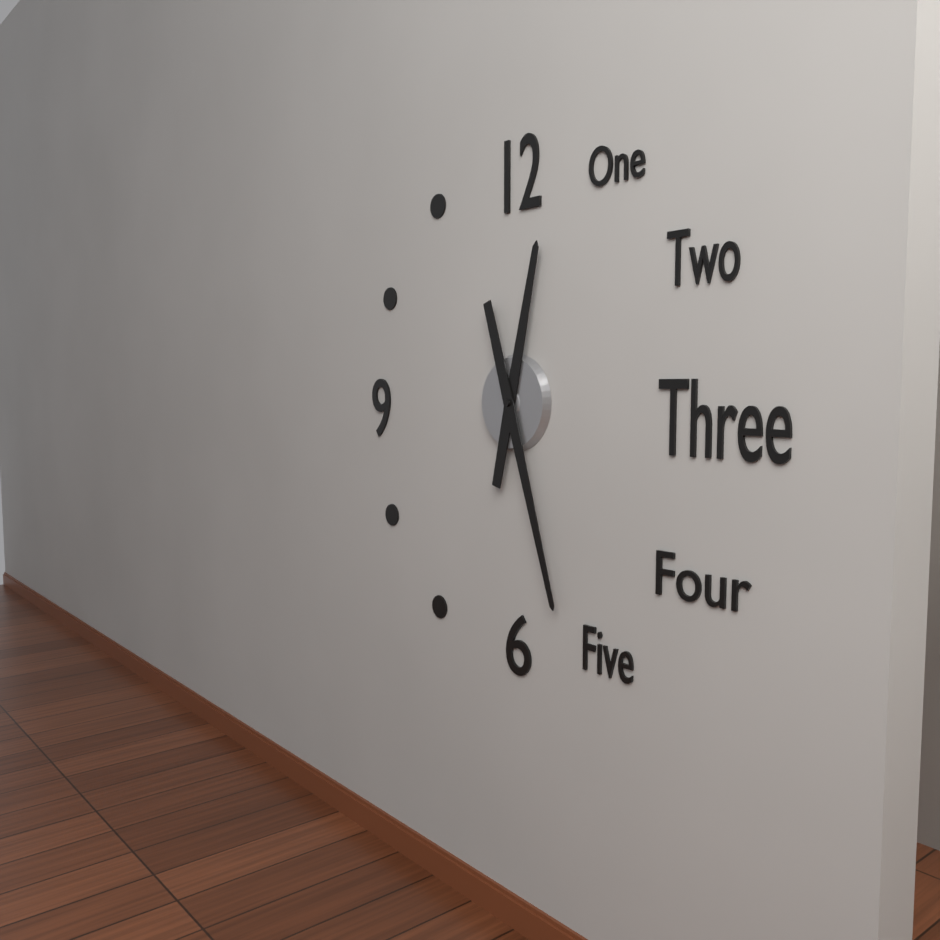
12:27
